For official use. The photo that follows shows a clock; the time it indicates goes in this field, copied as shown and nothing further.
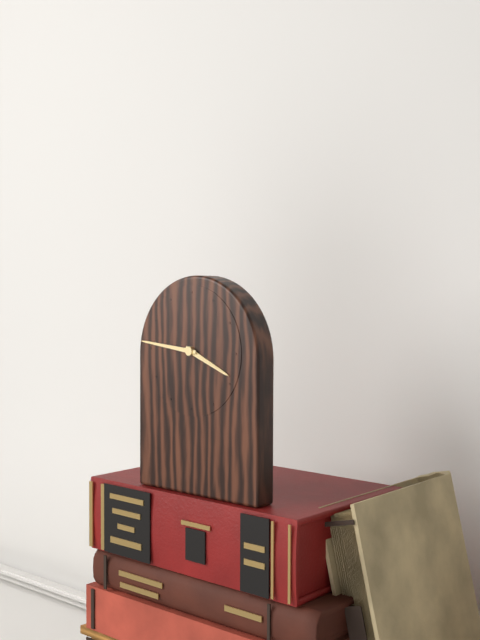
3:46
